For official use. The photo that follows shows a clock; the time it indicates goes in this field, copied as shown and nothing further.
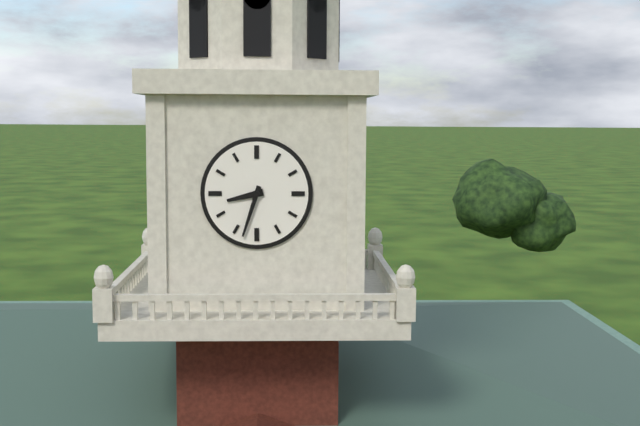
8:33
